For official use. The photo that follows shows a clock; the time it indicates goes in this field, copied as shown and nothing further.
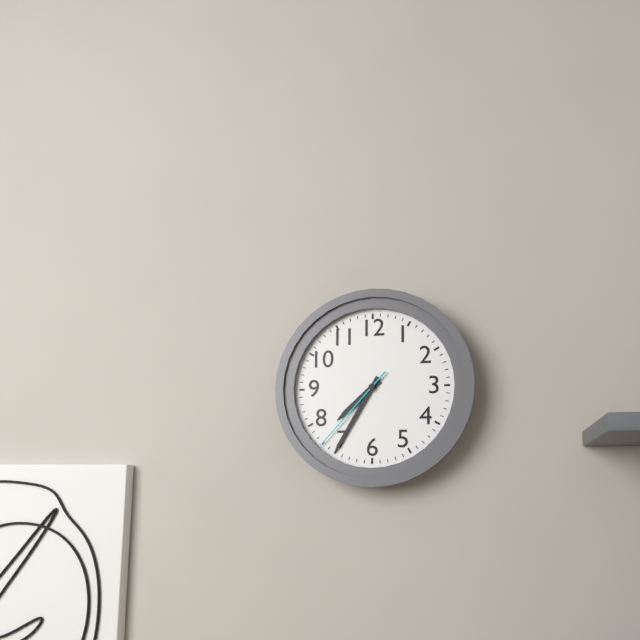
7:35:37
